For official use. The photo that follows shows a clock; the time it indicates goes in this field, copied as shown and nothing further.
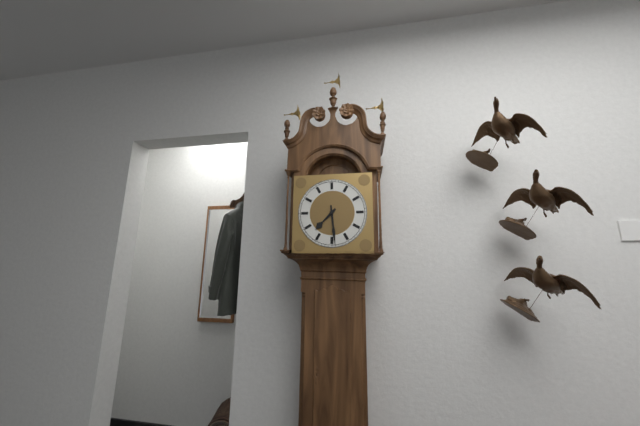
7:29
